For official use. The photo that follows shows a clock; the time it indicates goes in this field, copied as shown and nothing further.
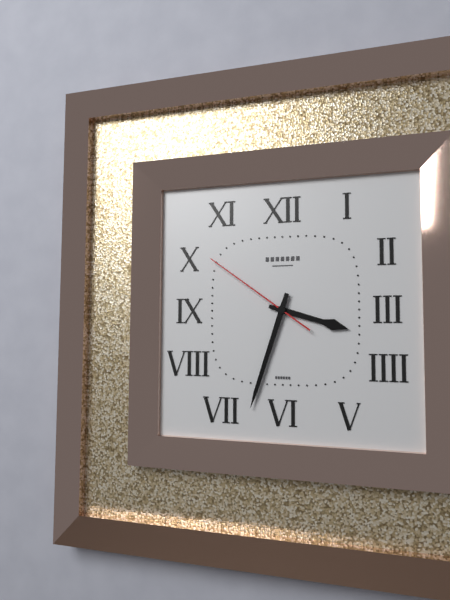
3:33:51
